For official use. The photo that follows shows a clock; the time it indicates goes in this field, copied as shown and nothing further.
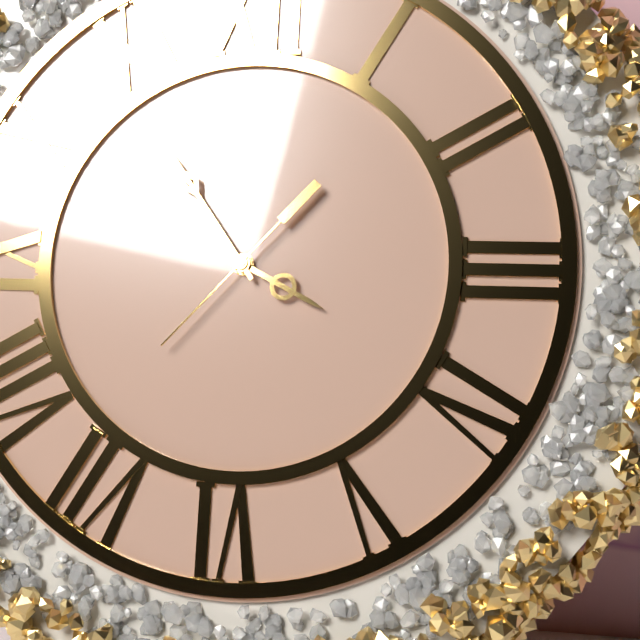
3:54:37
